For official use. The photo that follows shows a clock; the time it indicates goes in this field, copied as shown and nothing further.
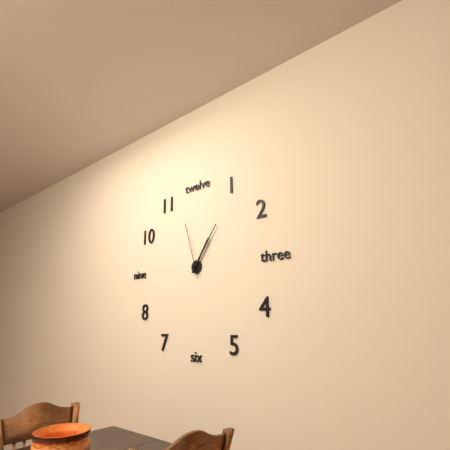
1:06:57
